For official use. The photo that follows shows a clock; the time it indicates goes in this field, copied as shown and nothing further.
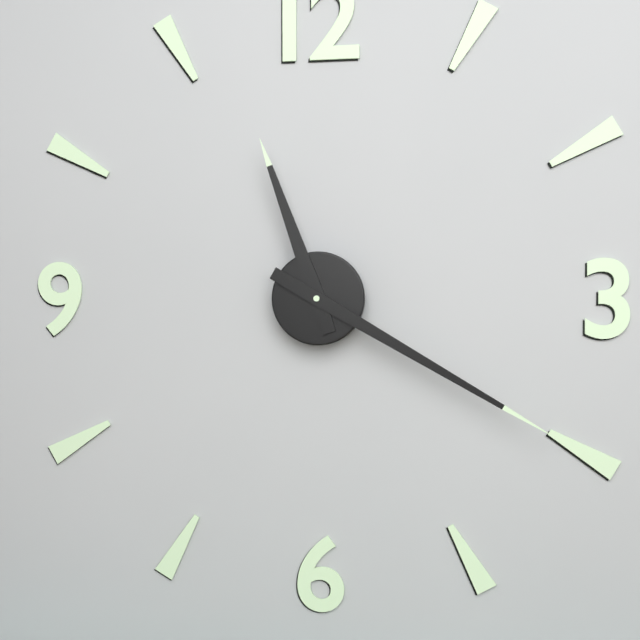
11:20
